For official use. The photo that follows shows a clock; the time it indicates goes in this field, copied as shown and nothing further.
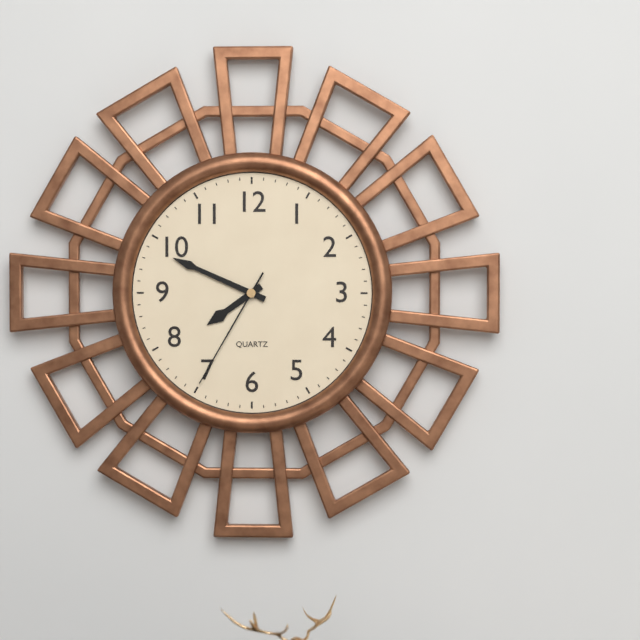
7:49:35
